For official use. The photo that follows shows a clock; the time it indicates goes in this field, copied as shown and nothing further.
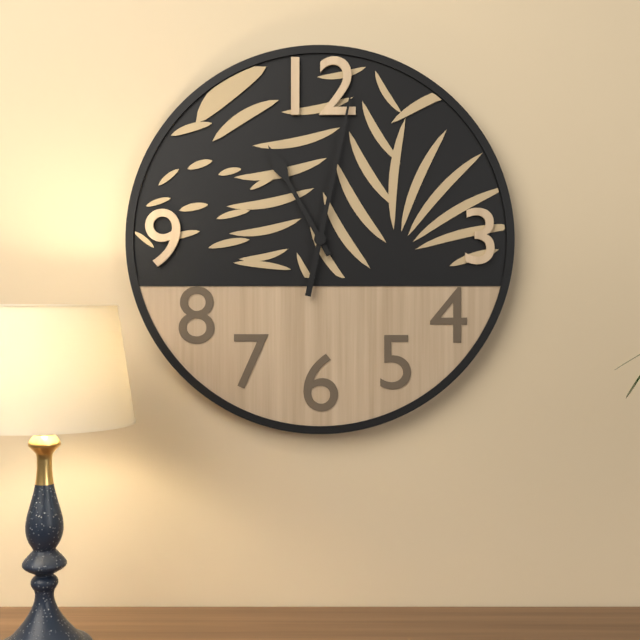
11:02
